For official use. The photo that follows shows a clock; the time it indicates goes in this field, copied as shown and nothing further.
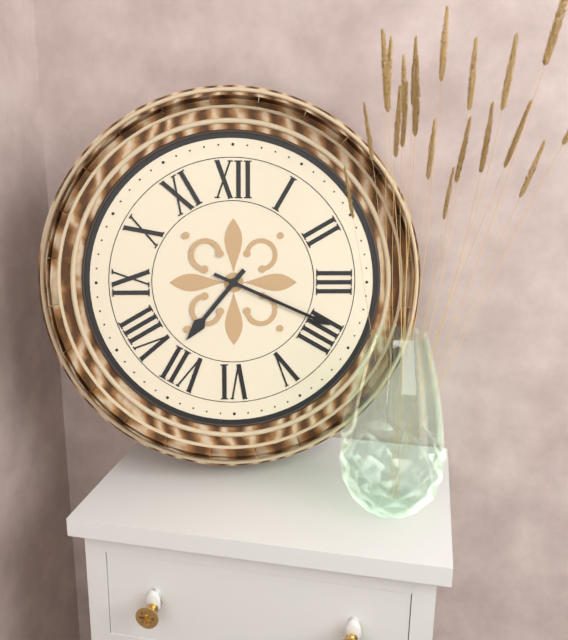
7:19
